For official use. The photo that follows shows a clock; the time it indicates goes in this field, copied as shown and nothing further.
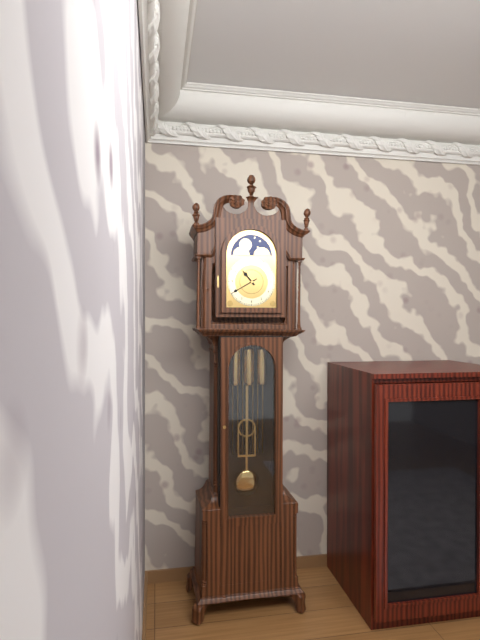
10:40
